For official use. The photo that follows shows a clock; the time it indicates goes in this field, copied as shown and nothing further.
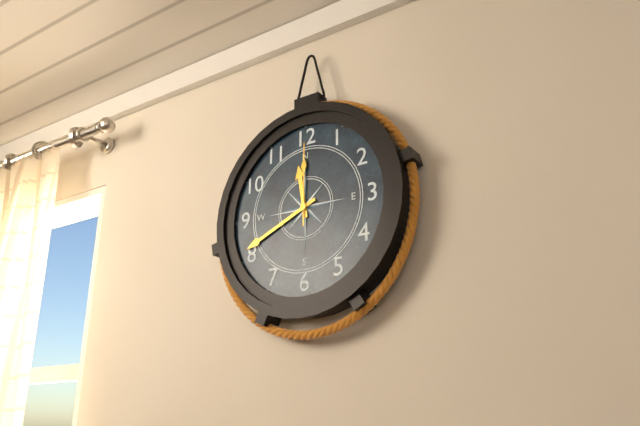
11:41:00
